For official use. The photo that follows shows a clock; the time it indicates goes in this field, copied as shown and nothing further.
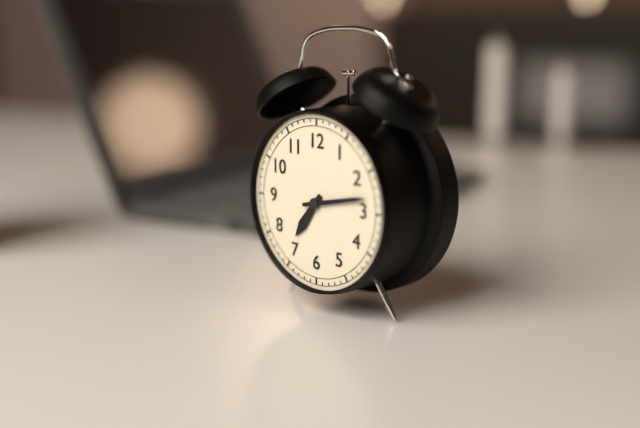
7:13
